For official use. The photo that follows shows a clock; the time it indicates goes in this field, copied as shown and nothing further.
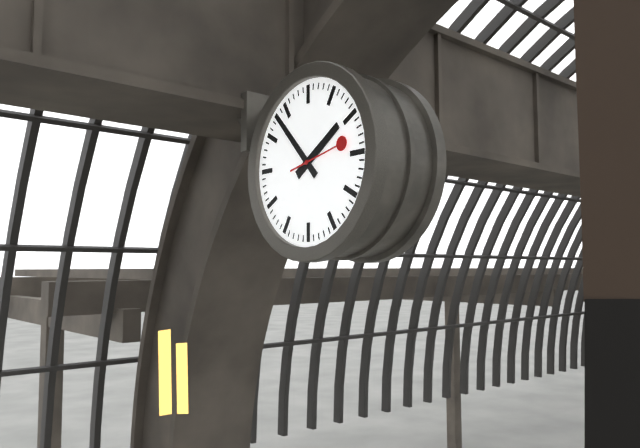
1:53:13
